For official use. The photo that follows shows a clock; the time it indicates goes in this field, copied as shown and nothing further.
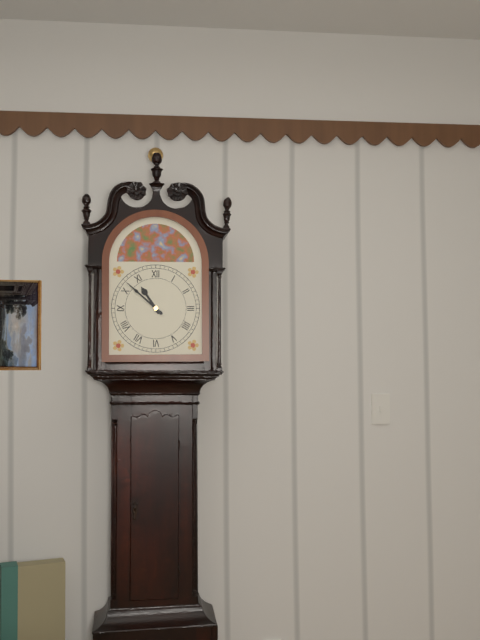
10:52
